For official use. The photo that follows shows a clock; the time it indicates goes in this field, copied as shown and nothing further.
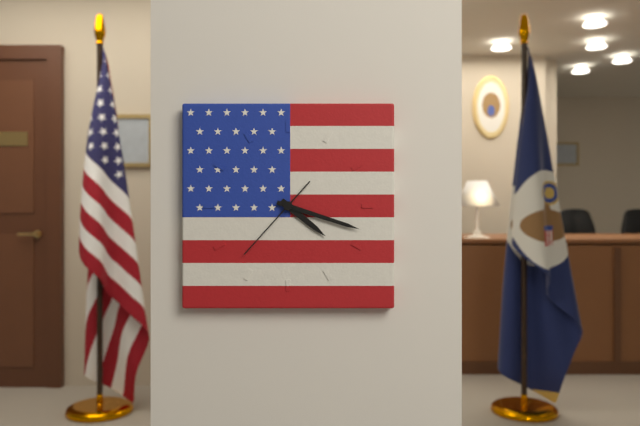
4:18:37
